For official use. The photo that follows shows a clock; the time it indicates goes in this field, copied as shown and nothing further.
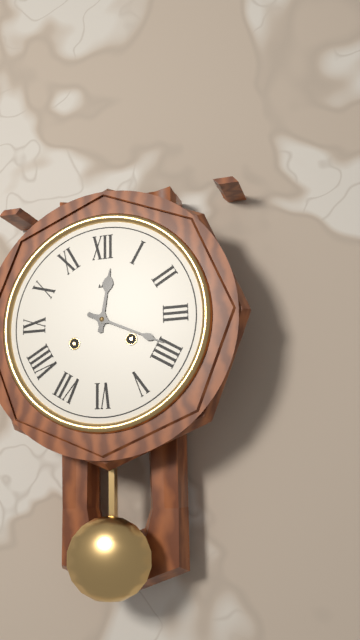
12:19
